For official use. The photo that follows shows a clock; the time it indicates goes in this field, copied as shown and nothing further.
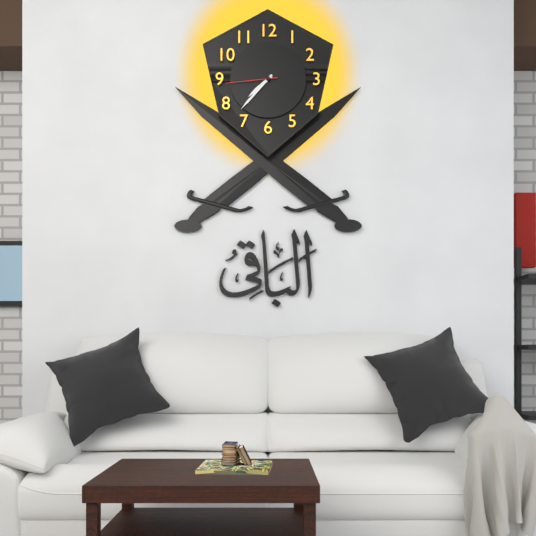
7:37:44
